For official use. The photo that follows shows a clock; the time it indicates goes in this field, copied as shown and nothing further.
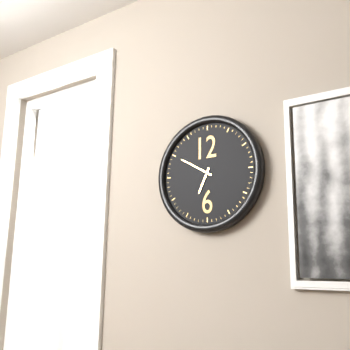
6:50
